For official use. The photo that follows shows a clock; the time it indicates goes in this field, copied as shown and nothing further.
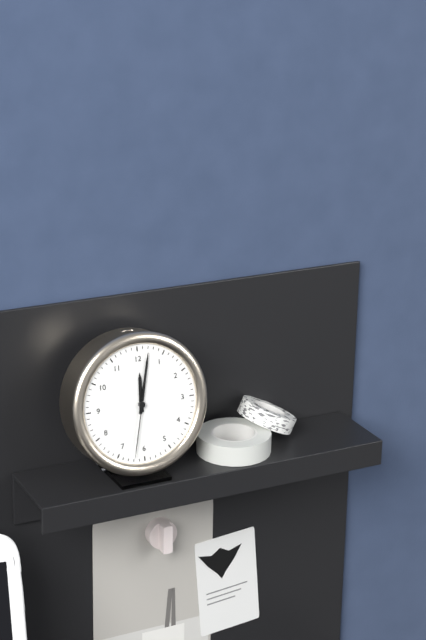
12:02:32
